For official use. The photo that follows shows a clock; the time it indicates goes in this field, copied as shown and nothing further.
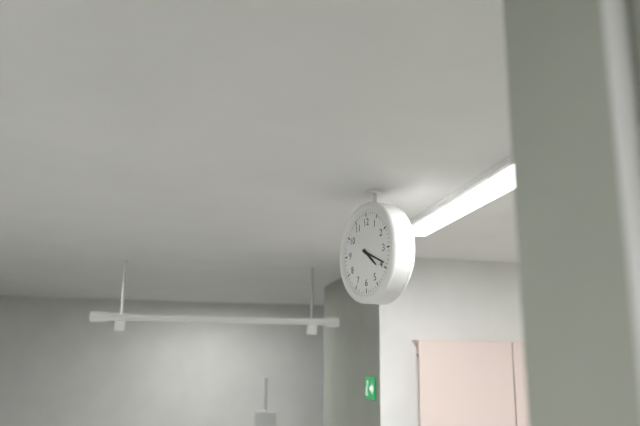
4:19
